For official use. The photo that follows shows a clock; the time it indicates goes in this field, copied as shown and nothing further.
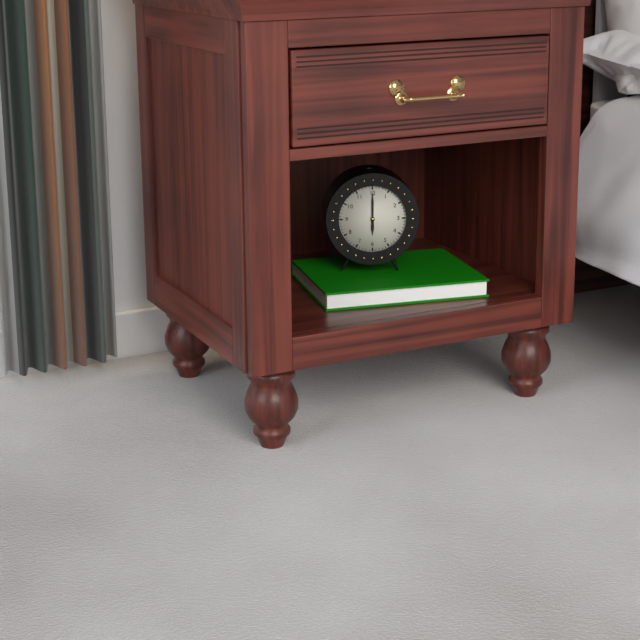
6:00
